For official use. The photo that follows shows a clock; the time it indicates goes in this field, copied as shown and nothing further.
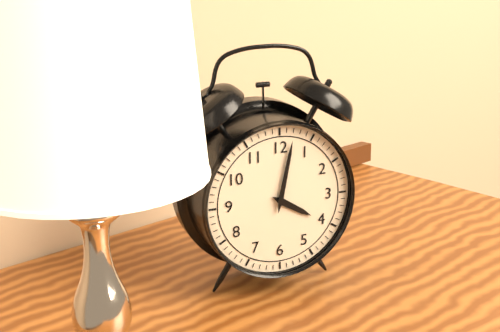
4:02
